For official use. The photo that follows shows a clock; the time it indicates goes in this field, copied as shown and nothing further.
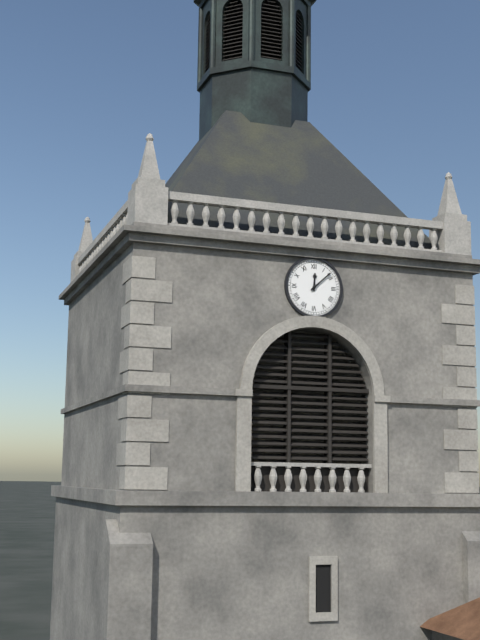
12:08
